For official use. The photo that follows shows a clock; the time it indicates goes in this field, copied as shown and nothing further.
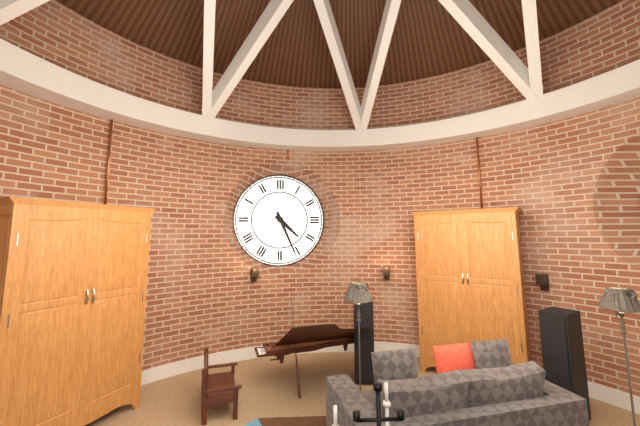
4:26
